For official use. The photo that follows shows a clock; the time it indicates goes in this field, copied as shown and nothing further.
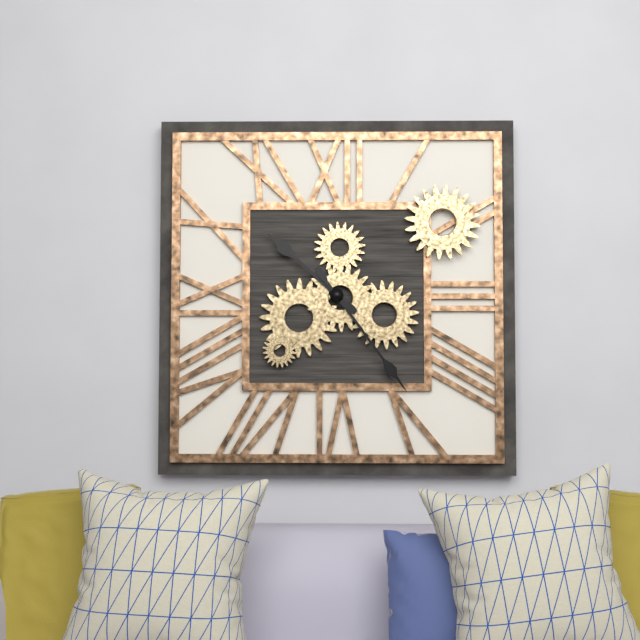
10:24
